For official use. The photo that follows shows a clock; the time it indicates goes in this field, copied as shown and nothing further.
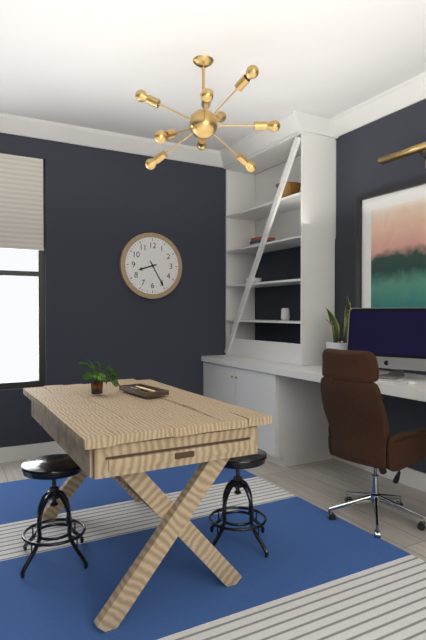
8:25
